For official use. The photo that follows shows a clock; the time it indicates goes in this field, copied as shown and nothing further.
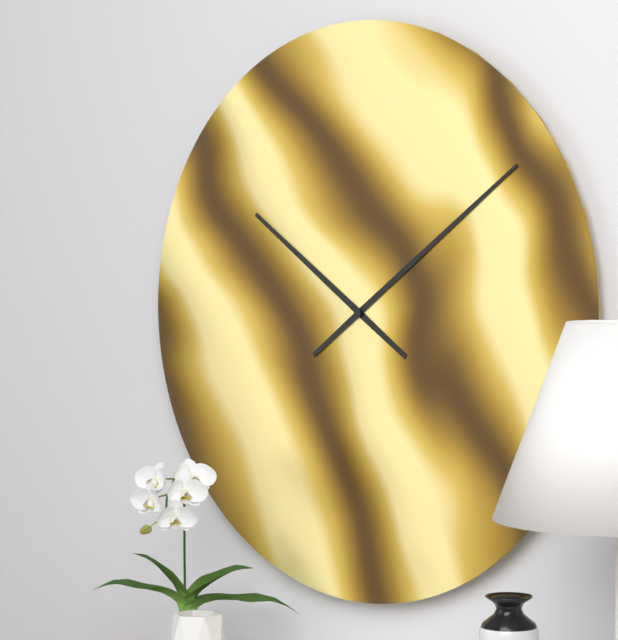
10:09
